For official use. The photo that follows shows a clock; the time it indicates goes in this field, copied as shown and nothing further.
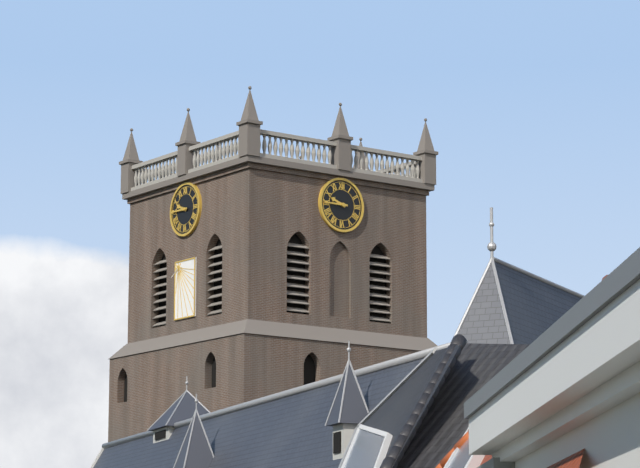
9:45
